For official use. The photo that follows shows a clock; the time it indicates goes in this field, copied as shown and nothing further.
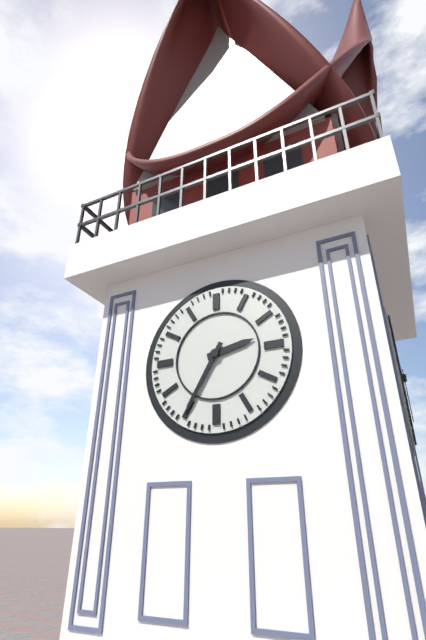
2:35
